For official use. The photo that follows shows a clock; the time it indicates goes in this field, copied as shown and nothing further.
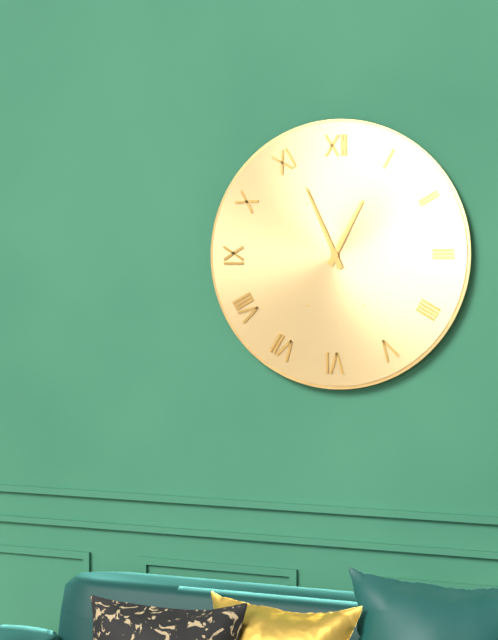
12:56
